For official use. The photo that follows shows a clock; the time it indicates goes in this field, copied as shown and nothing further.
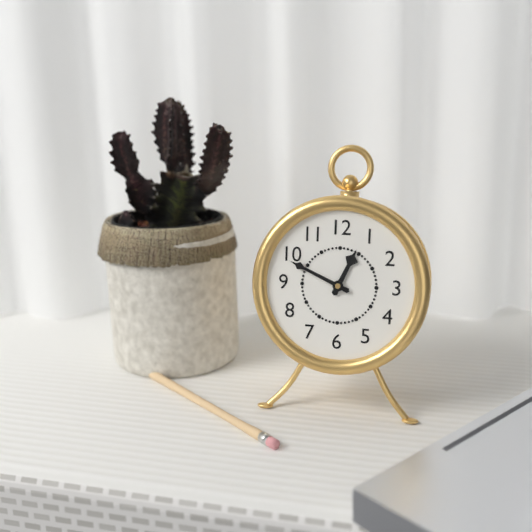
12:49
